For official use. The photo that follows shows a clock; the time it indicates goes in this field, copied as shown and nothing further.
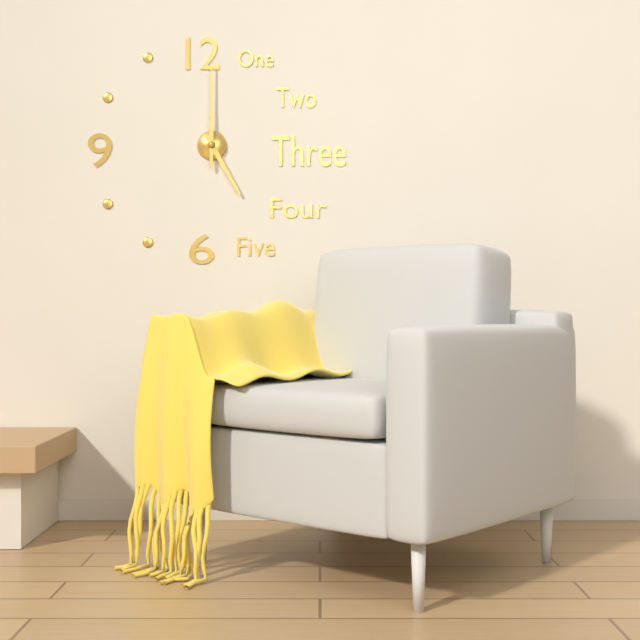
5:00
